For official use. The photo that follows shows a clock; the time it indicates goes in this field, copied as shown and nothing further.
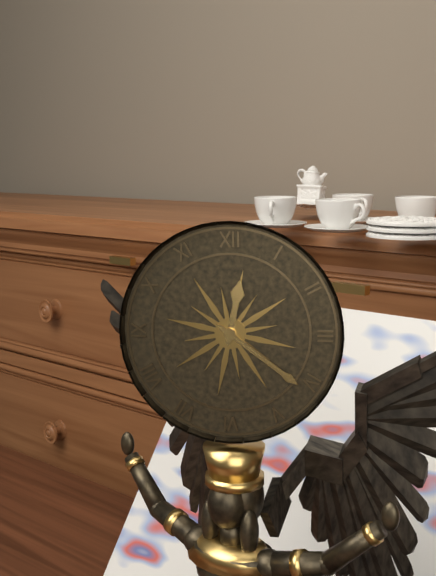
12:21
